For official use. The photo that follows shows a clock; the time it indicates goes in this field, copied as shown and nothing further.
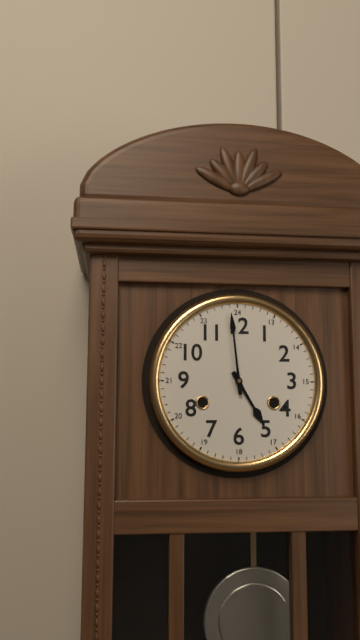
4:59
